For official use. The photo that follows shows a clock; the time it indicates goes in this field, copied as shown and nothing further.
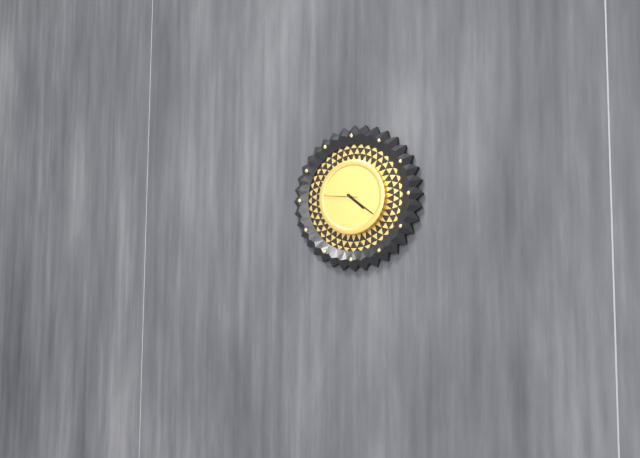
4:21
